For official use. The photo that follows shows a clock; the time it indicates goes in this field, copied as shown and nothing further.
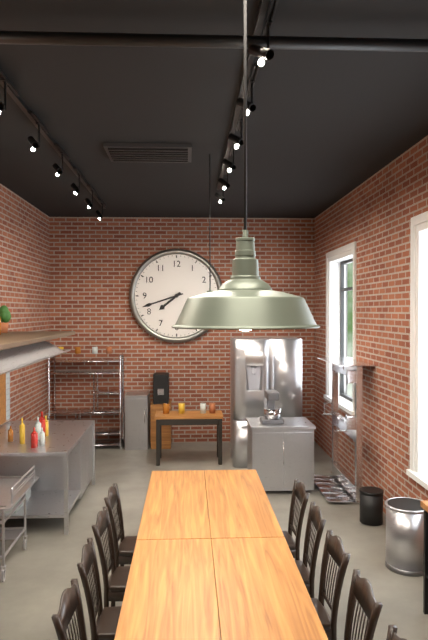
7:42
